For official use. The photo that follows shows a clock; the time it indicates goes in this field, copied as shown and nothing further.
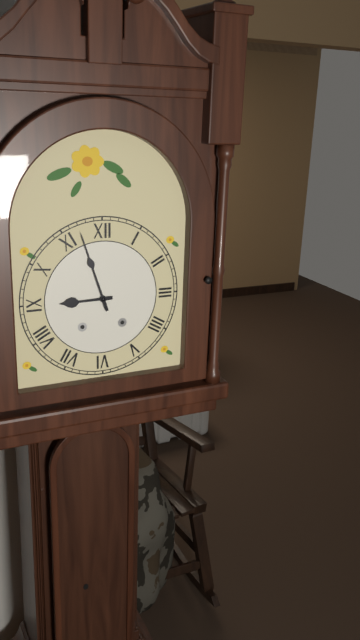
8:57
